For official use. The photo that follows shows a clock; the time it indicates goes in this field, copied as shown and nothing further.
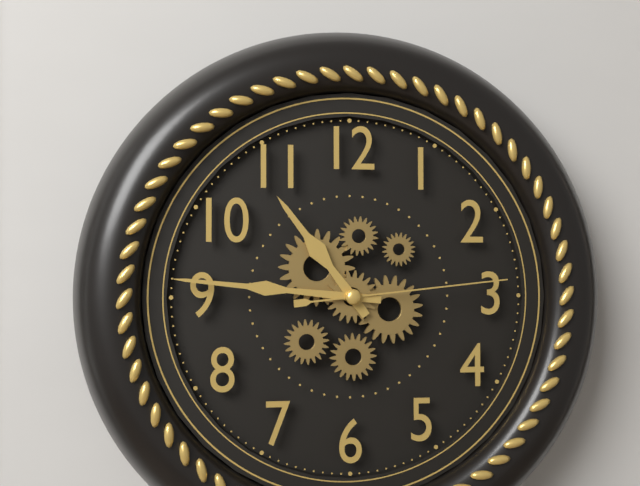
10:46:14
